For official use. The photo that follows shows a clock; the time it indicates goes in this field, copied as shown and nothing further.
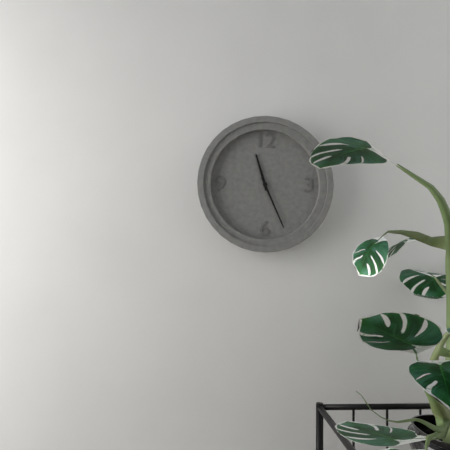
11:26
